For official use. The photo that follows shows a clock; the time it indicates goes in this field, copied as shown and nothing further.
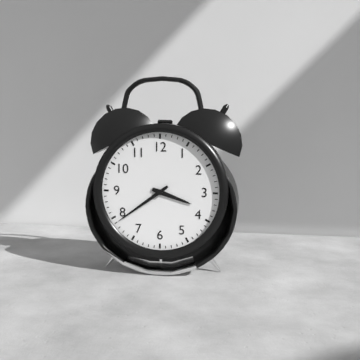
3:39
